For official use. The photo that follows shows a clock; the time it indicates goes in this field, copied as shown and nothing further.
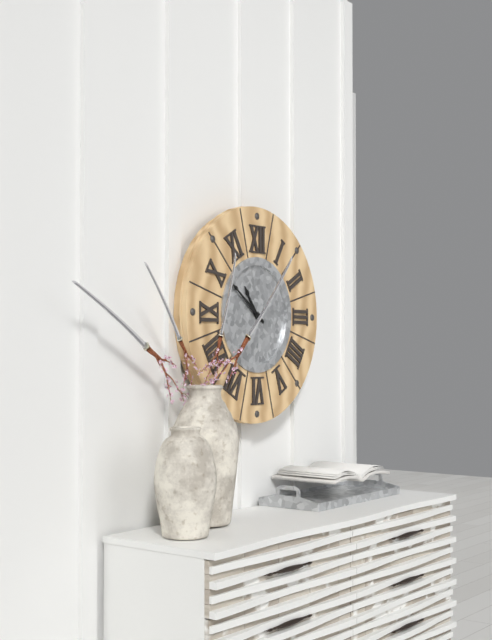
10:51
